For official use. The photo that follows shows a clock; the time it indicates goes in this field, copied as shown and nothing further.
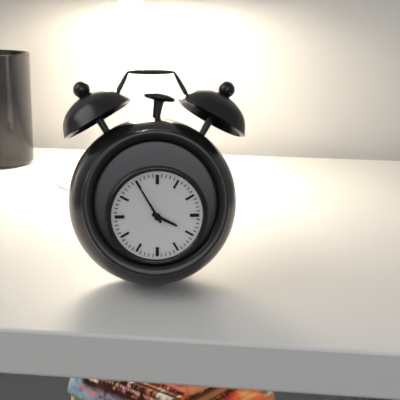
3:55
